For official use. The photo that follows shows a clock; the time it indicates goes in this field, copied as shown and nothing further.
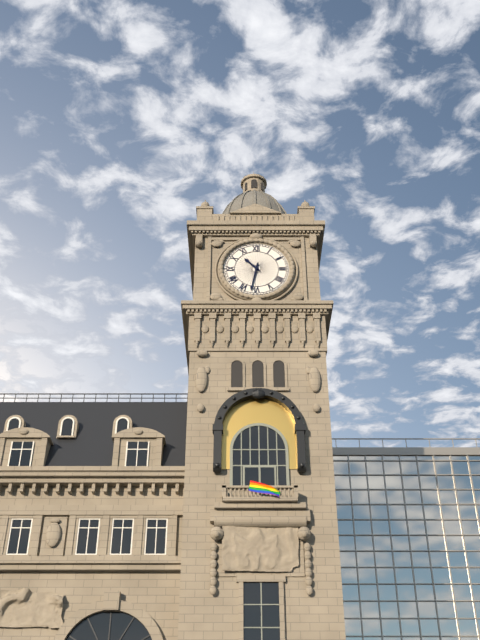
10:32
